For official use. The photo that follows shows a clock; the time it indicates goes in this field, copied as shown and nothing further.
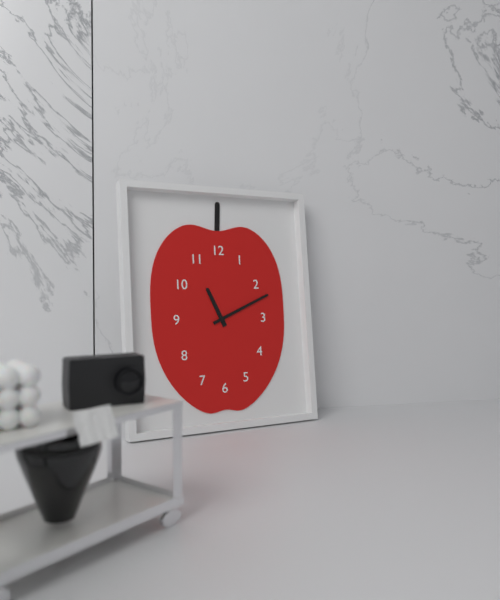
11:11
